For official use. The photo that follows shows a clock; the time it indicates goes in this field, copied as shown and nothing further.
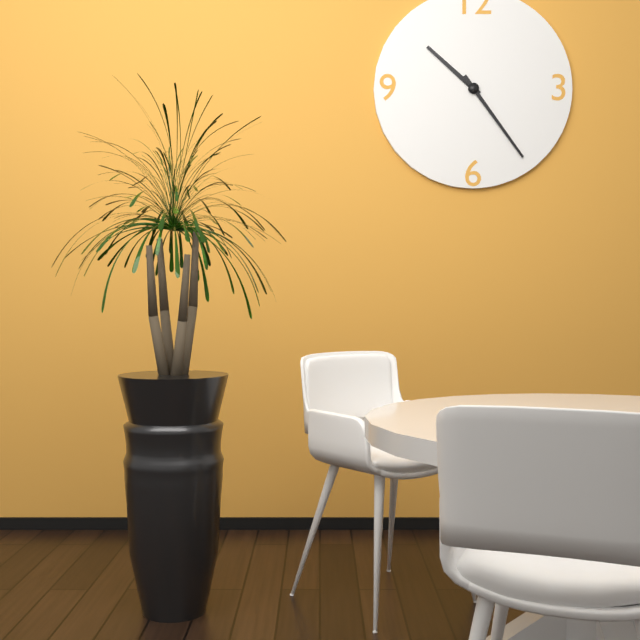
10:24
